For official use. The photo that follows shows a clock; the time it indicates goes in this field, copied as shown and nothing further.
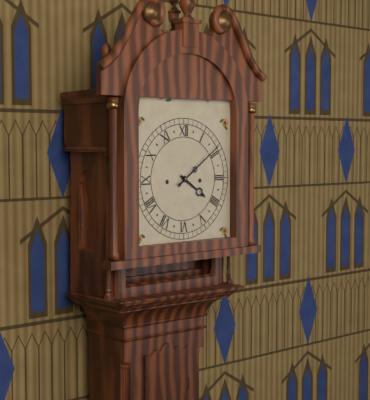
4:09
